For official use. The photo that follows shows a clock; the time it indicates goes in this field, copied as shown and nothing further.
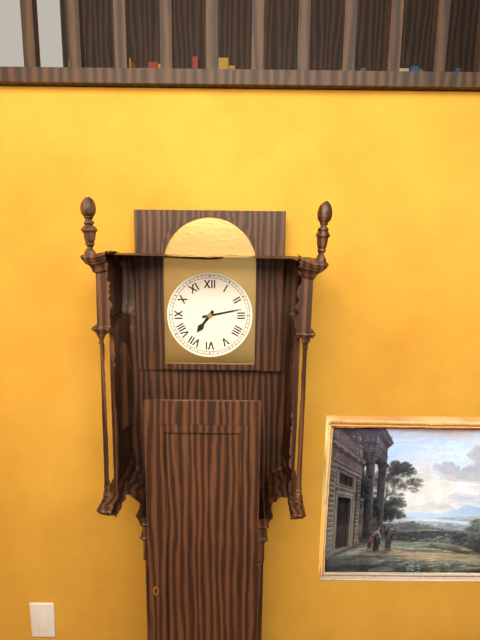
7:13
